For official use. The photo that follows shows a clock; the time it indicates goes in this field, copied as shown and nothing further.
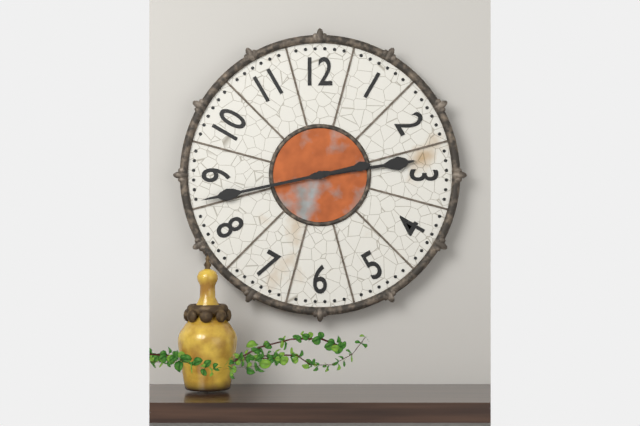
2:43
